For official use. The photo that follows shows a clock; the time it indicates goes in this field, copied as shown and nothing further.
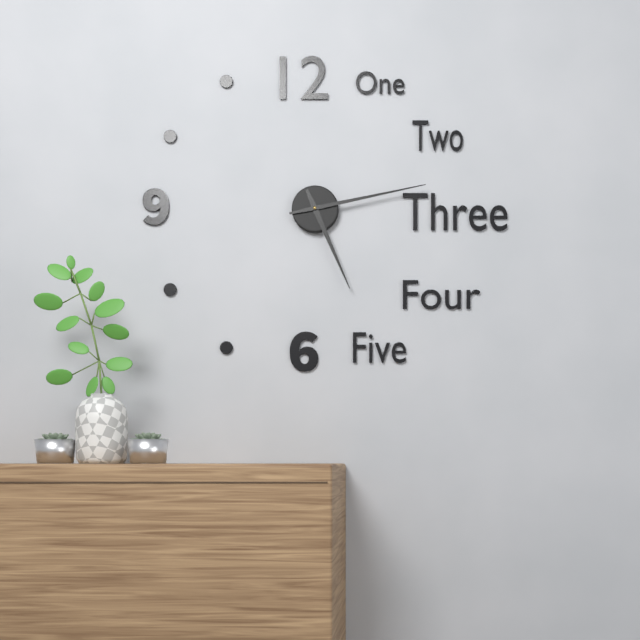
5:13
